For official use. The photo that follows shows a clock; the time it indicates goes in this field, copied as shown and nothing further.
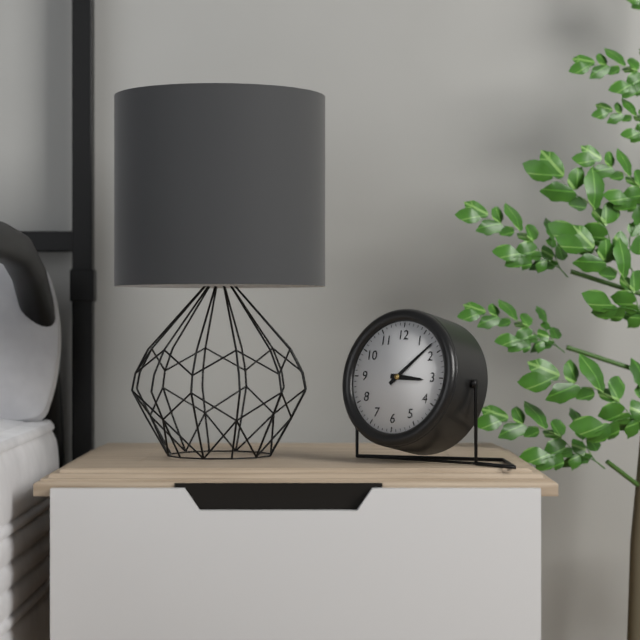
3:08
